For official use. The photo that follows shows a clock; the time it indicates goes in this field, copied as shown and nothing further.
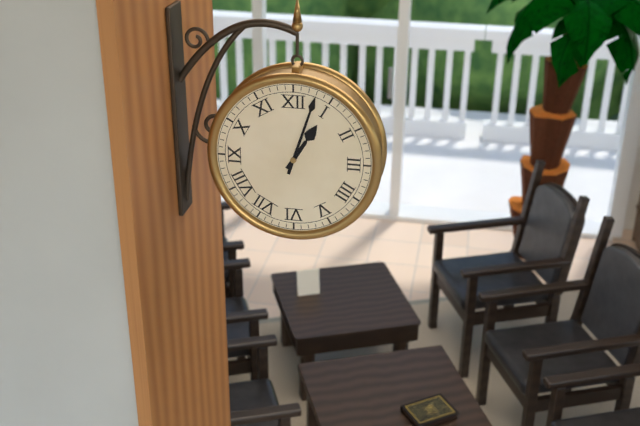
1:03
